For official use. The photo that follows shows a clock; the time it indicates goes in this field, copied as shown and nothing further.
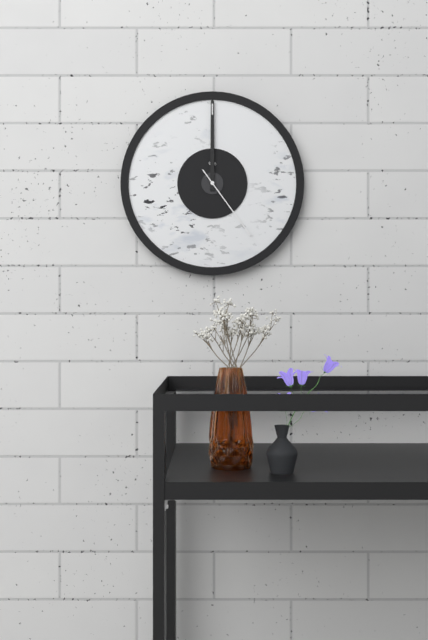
12:00:24
